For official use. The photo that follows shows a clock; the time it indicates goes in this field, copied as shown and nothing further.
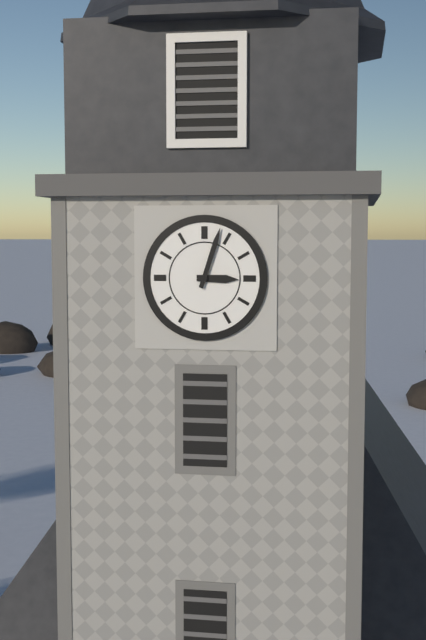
3:03
